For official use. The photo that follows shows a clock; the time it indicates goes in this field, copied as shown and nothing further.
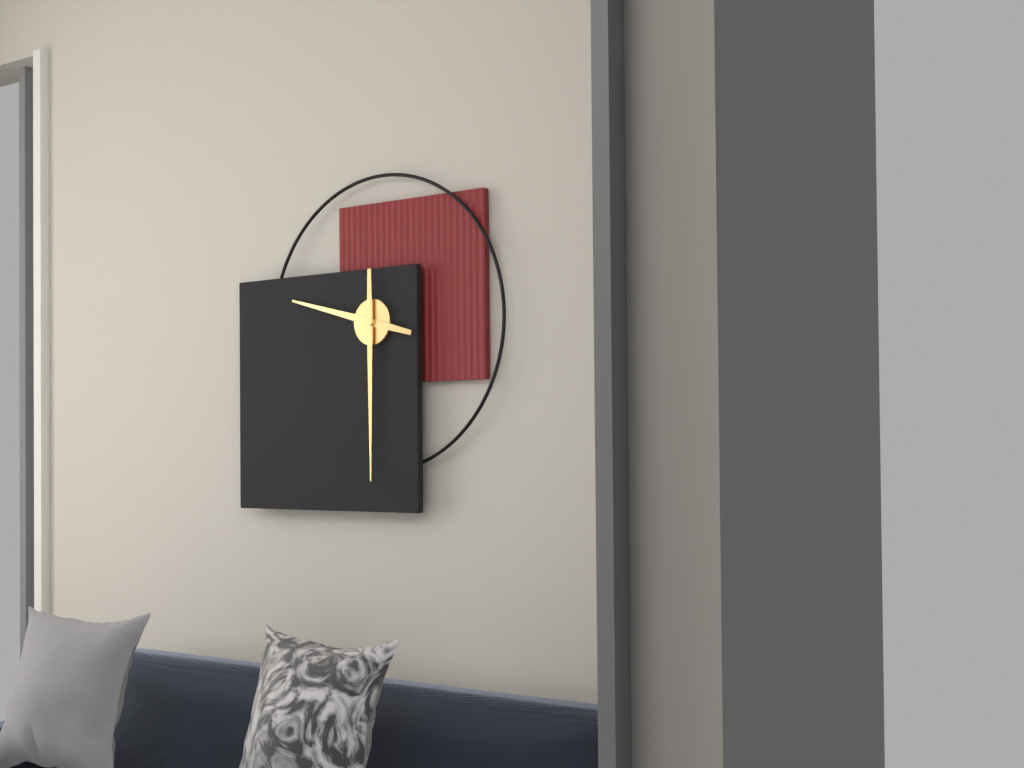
9:30
